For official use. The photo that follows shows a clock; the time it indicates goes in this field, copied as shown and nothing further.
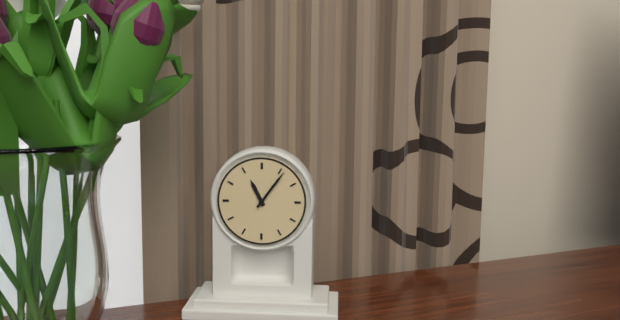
11:06
